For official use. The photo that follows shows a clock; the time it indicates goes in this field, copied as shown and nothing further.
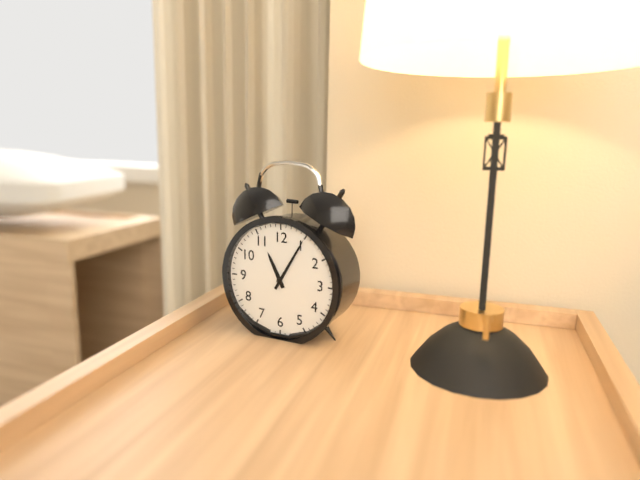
11:05
